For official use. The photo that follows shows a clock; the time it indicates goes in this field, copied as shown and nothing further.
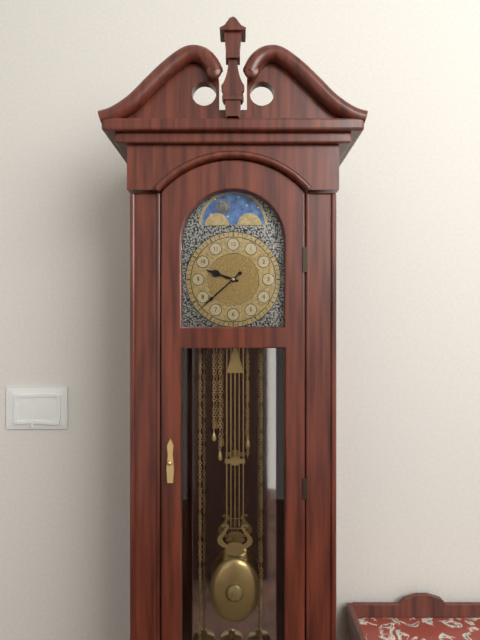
9:38
